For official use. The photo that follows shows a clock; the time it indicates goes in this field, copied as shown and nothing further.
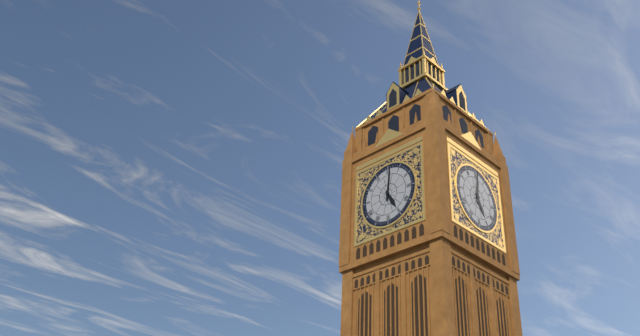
5:01
